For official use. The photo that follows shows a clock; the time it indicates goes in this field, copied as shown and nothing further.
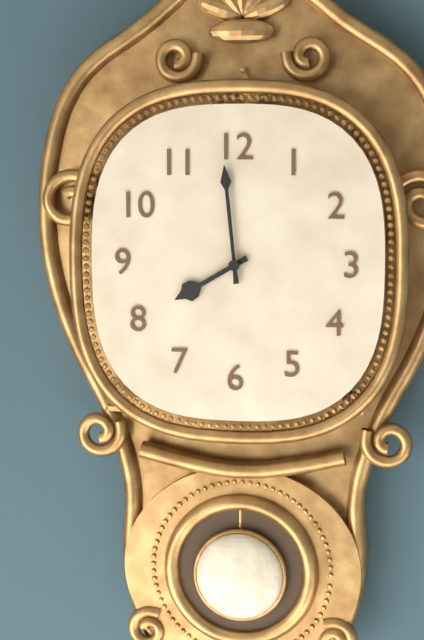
7:59
